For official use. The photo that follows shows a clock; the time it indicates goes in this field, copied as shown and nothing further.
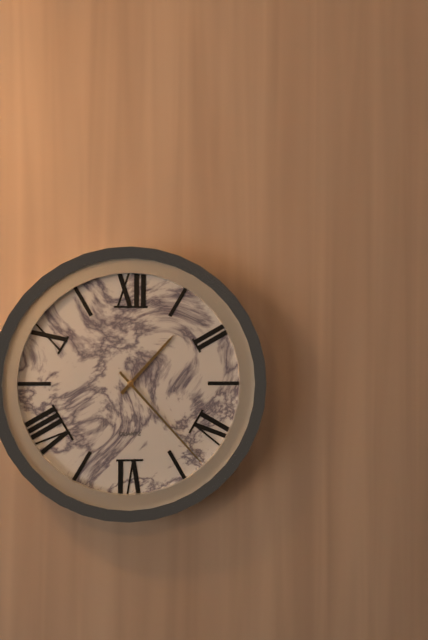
1:23
